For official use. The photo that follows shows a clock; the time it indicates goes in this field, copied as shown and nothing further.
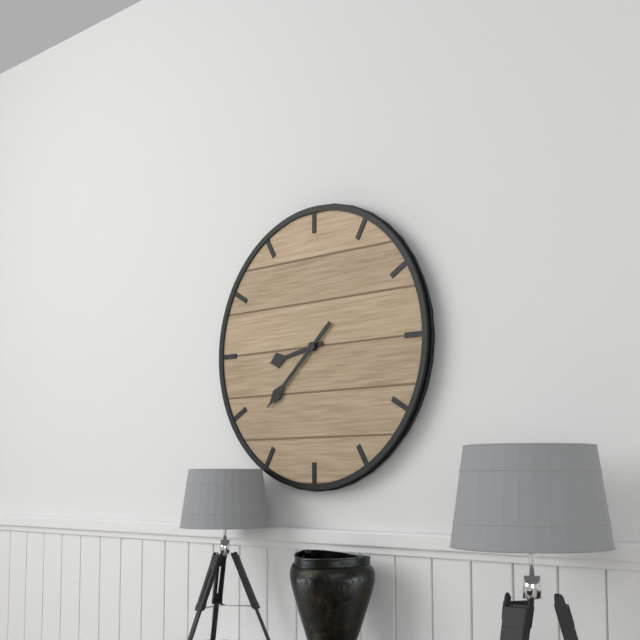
8:38
